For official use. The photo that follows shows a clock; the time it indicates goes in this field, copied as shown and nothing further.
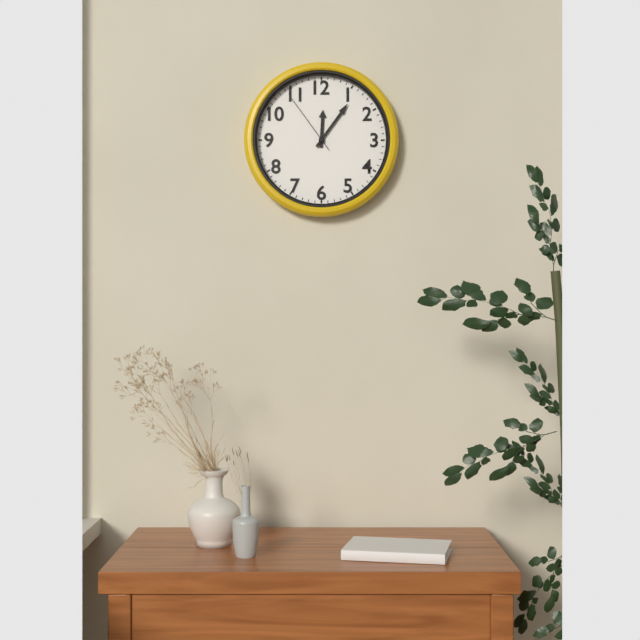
12:06:54
